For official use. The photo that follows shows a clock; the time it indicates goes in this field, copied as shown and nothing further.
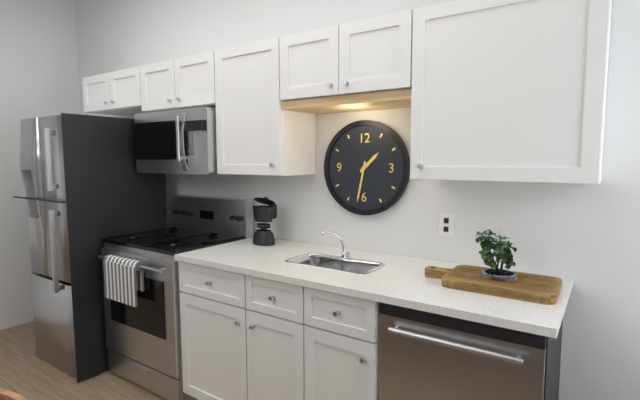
1:32
